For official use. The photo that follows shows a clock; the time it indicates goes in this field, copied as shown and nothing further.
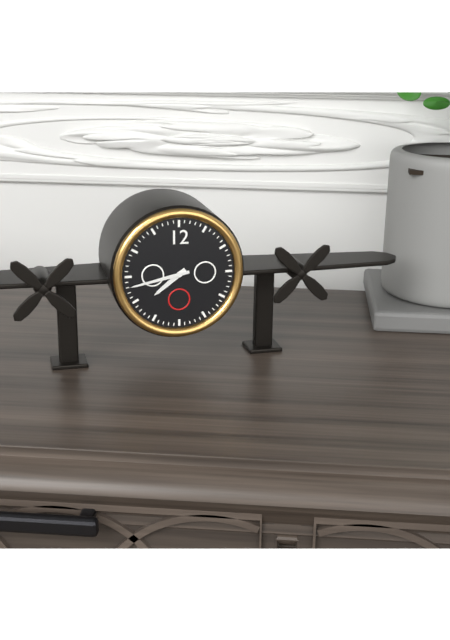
7:43
